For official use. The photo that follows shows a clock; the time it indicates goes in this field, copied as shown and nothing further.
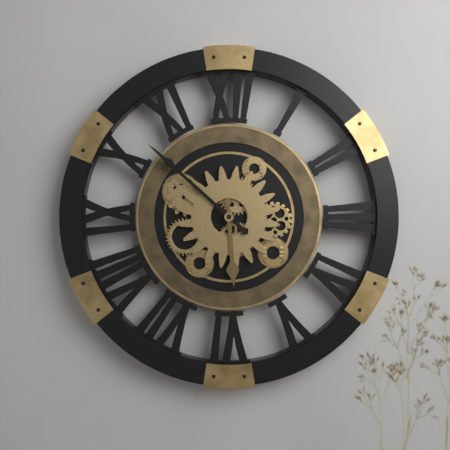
5:52
